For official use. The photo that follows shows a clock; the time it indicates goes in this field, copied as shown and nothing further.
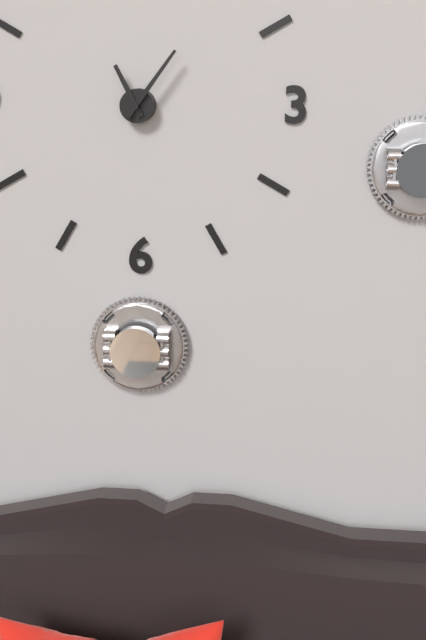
11:06
